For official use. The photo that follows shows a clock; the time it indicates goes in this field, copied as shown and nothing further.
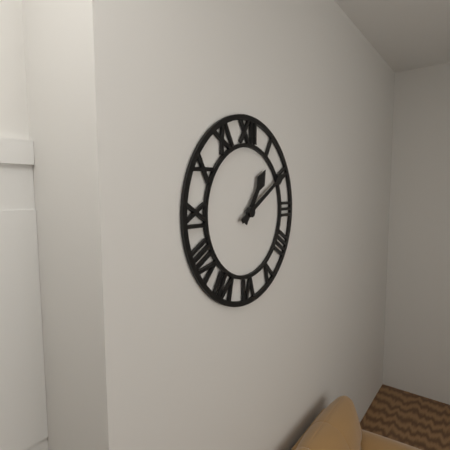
1:10
